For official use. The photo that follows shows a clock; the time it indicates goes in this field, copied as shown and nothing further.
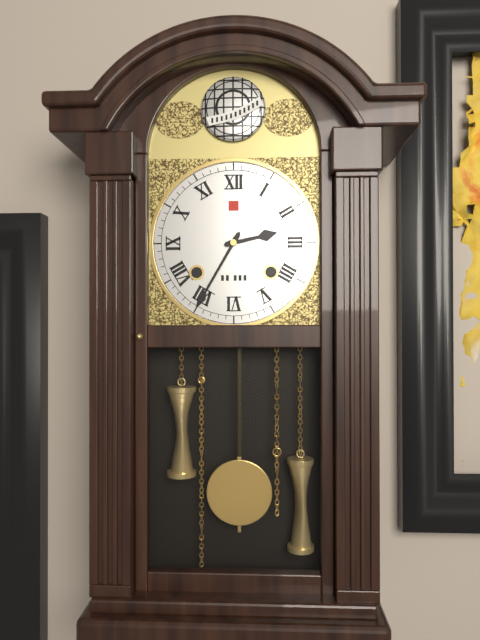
2:35
